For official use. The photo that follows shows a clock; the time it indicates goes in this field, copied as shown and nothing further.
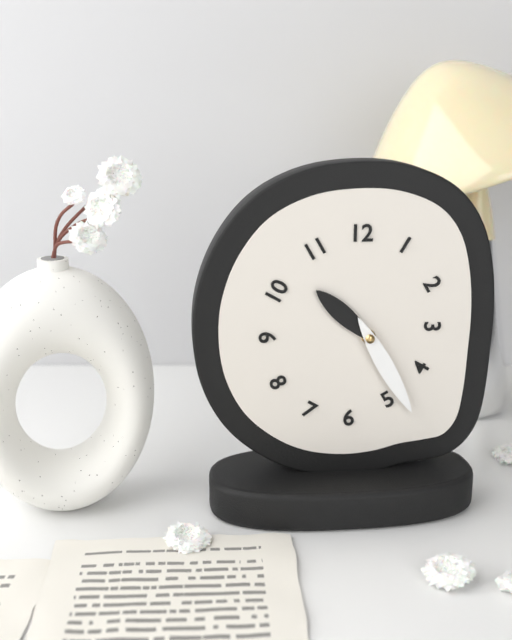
10:25
